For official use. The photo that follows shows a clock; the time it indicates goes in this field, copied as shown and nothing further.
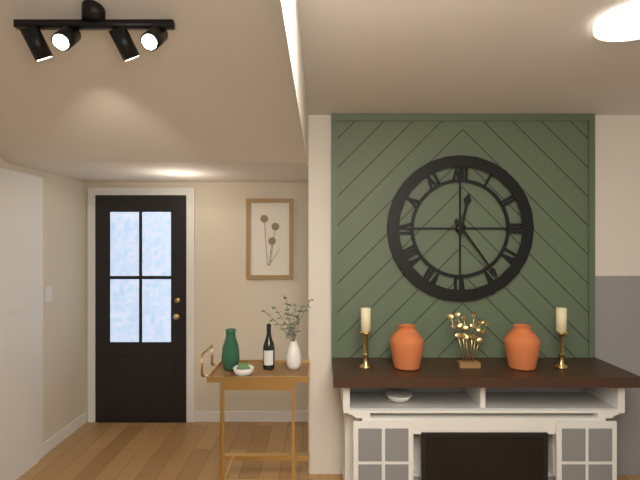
12:24
